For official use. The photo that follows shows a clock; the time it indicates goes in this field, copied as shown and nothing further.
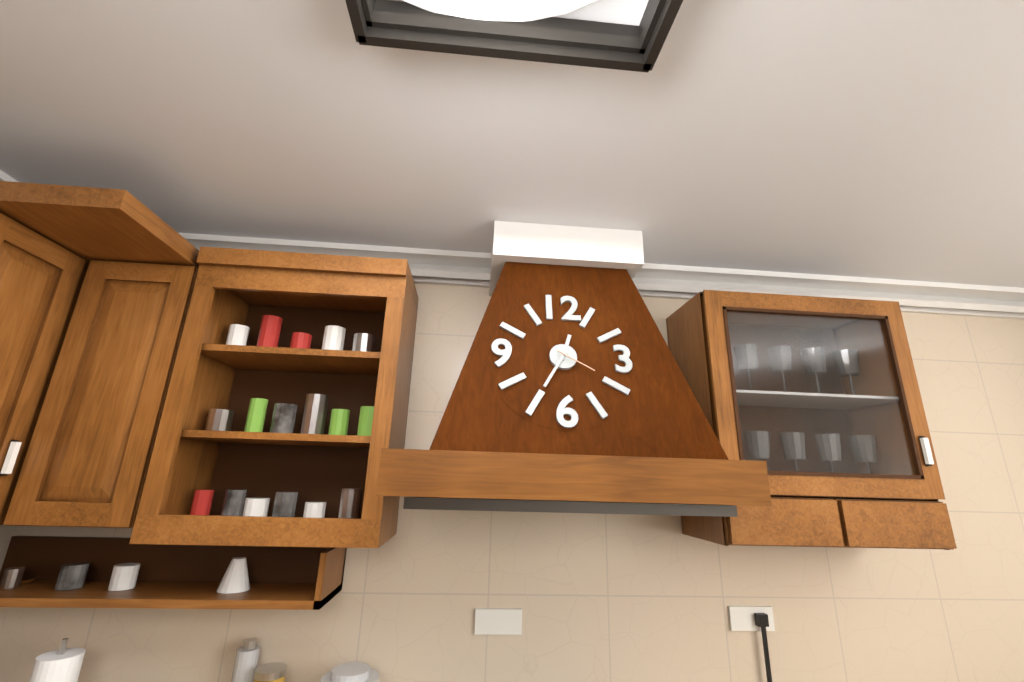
12:35
